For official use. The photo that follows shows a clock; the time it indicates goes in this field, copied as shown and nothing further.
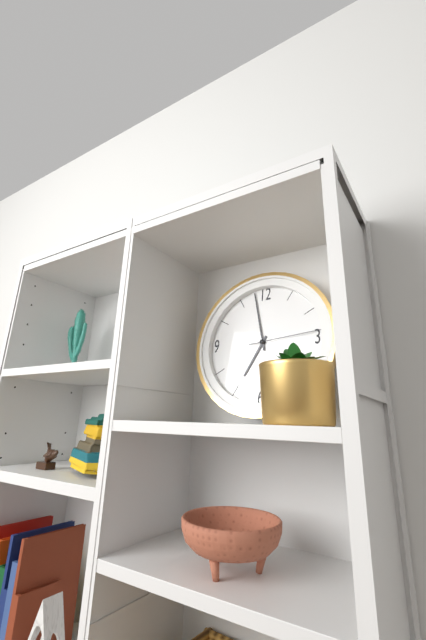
6:58:14
